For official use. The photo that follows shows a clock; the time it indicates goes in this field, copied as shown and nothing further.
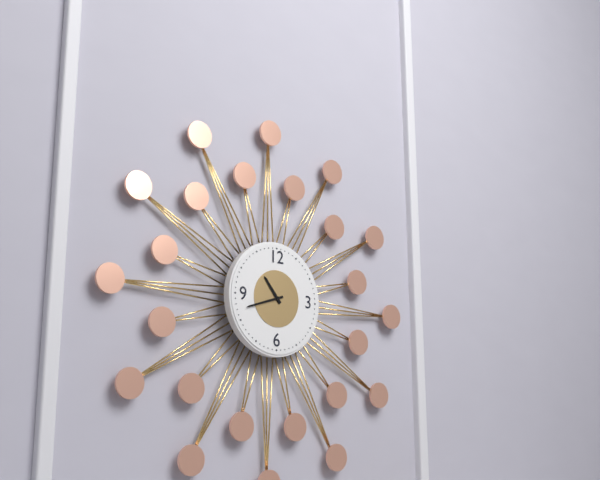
10:42
